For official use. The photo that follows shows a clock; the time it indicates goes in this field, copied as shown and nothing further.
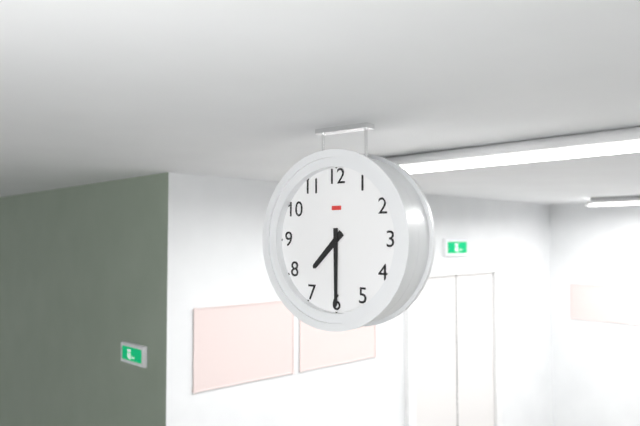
7:30
